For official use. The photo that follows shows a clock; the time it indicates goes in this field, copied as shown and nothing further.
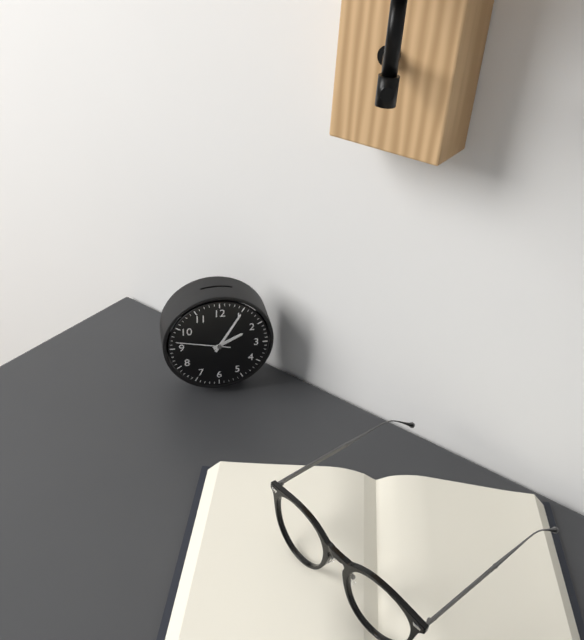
2:05:47
